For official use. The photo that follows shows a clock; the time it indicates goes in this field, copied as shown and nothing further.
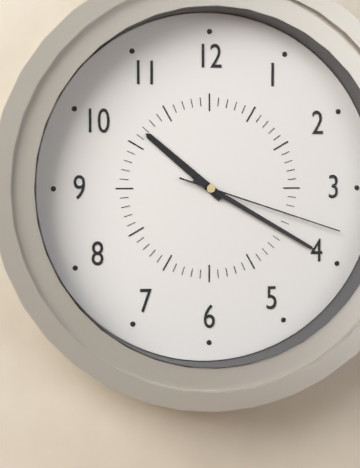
10:20:18
